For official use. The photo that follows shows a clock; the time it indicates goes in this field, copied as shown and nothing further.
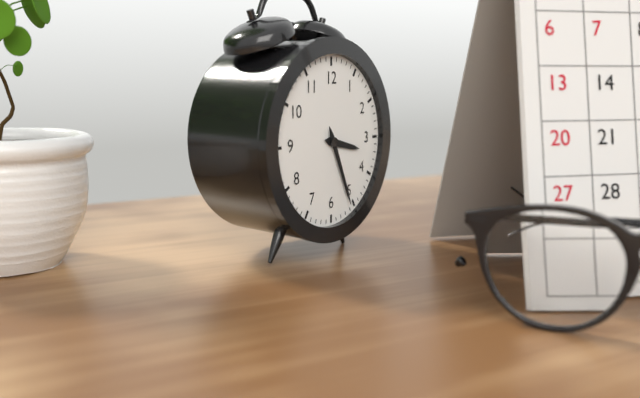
3:26
